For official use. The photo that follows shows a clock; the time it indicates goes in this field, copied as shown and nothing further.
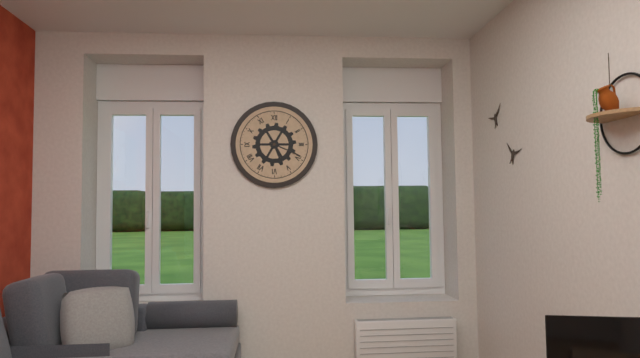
5:19
